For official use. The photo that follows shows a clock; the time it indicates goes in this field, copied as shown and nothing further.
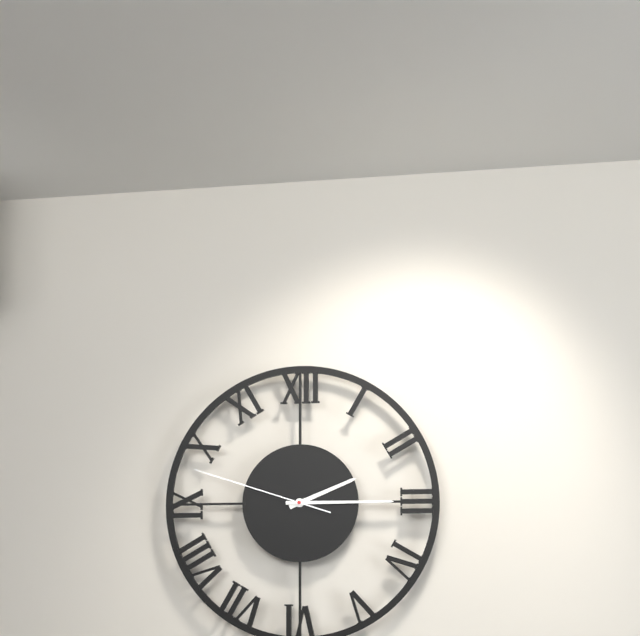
2:15:48
